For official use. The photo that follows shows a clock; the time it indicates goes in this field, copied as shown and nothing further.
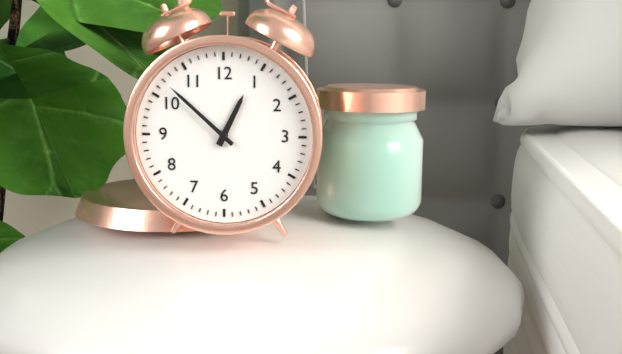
12:52
